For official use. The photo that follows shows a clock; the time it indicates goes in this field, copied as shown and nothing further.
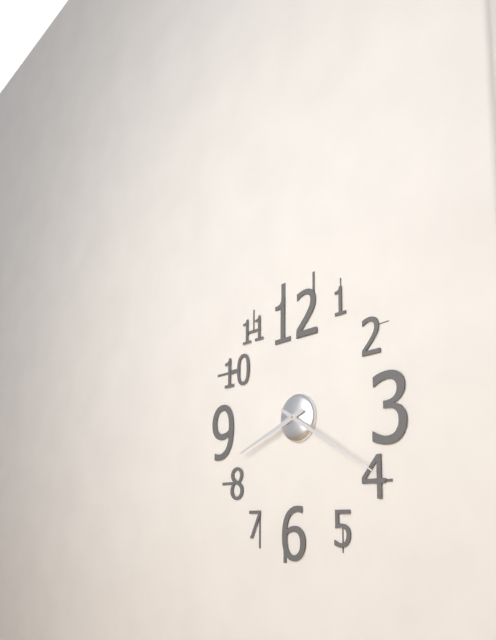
8:20
